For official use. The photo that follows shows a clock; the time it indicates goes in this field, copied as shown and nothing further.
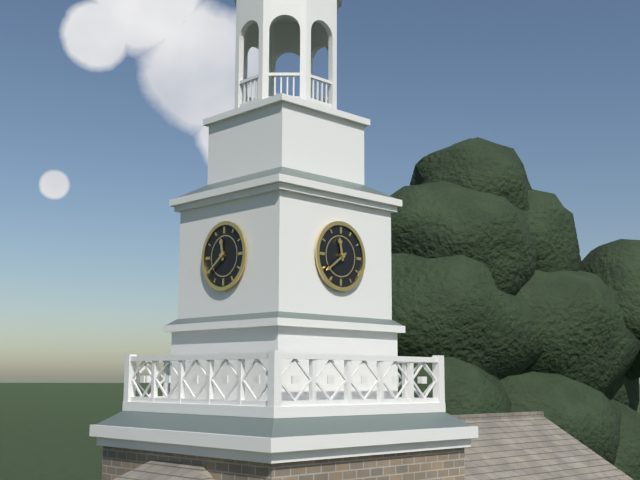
11:39
